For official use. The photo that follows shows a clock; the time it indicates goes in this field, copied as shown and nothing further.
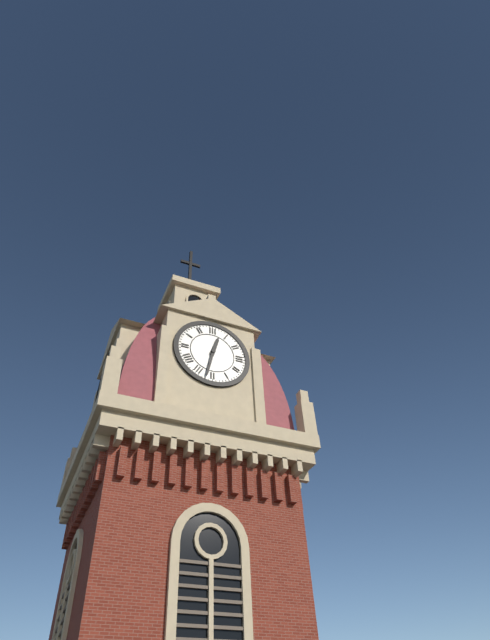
12:32
